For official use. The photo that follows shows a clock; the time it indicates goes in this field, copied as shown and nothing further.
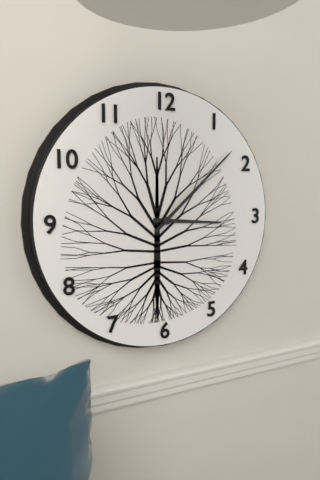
3:08
